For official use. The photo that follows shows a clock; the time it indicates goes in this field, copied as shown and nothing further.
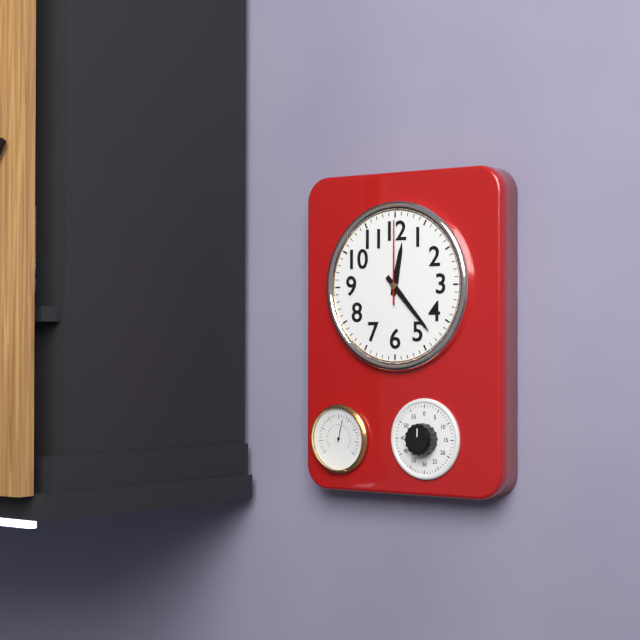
12:23:00
